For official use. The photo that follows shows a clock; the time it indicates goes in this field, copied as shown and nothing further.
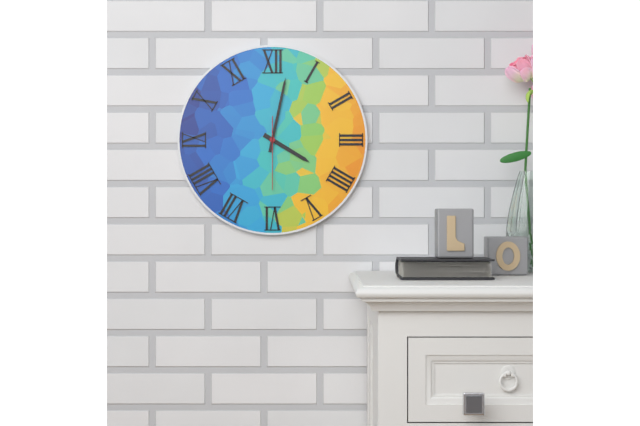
4:02:30
